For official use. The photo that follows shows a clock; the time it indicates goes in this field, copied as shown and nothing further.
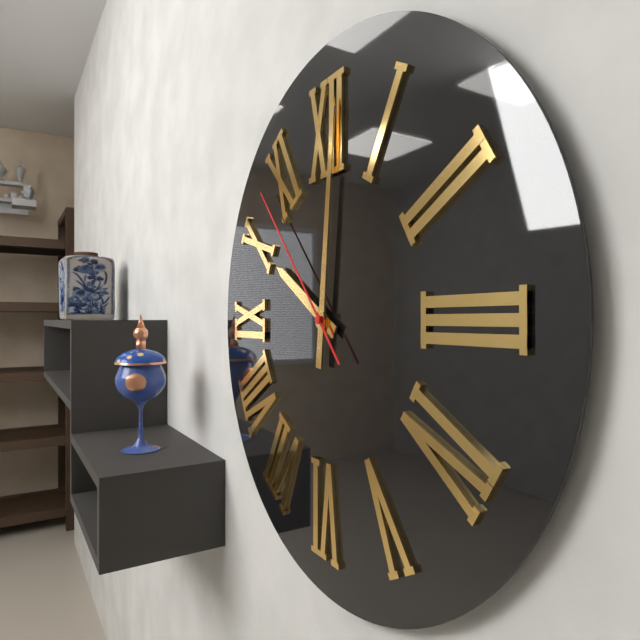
10:01:53
